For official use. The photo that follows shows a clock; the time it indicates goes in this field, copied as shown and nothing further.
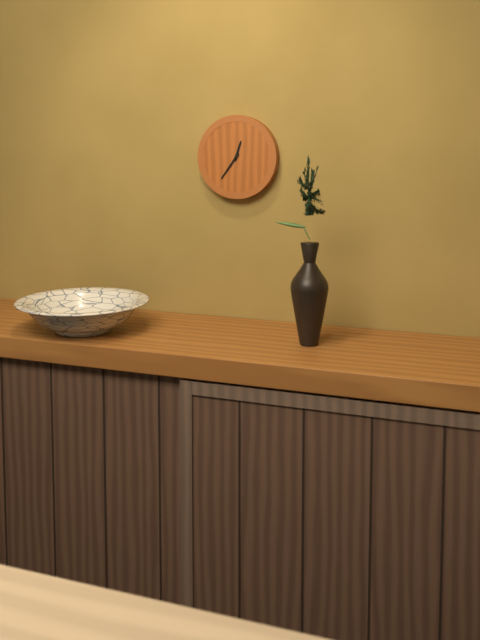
12:36
